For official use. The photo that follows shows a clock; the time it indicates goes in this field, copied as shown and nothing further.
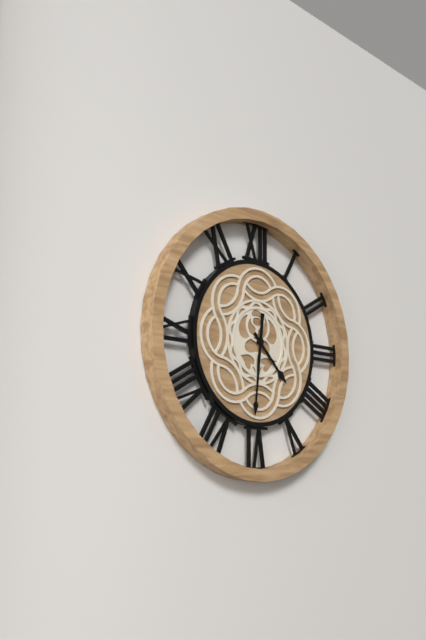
4:31
